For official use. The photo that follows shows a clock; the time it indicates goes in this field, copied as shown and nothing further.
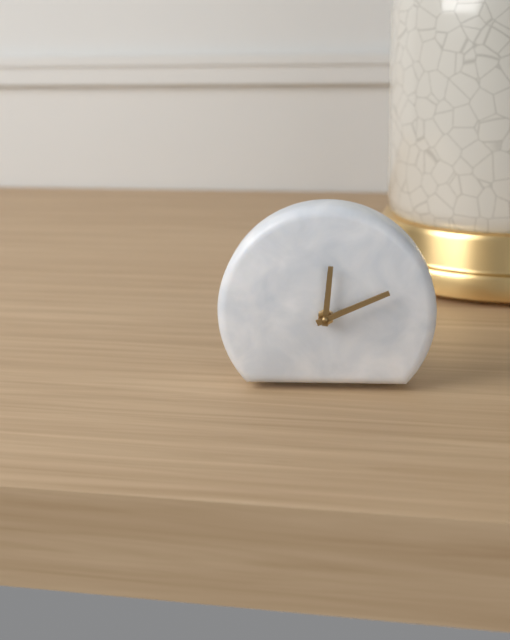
12:11
